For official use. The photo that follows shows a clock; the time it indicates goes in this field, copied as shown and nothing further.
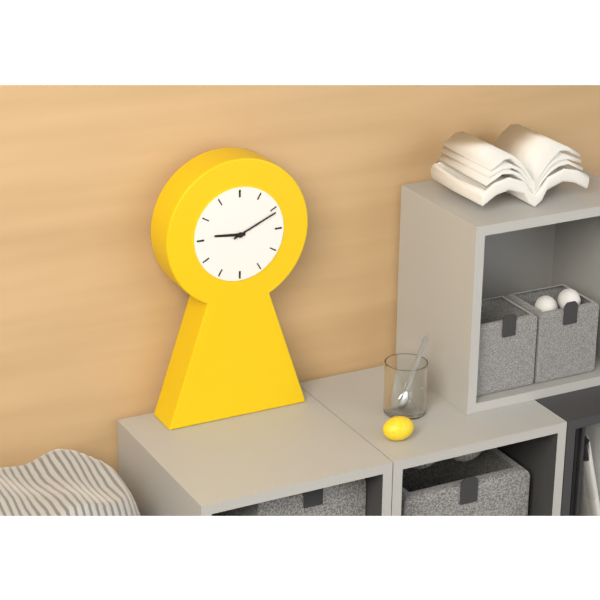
9:11
